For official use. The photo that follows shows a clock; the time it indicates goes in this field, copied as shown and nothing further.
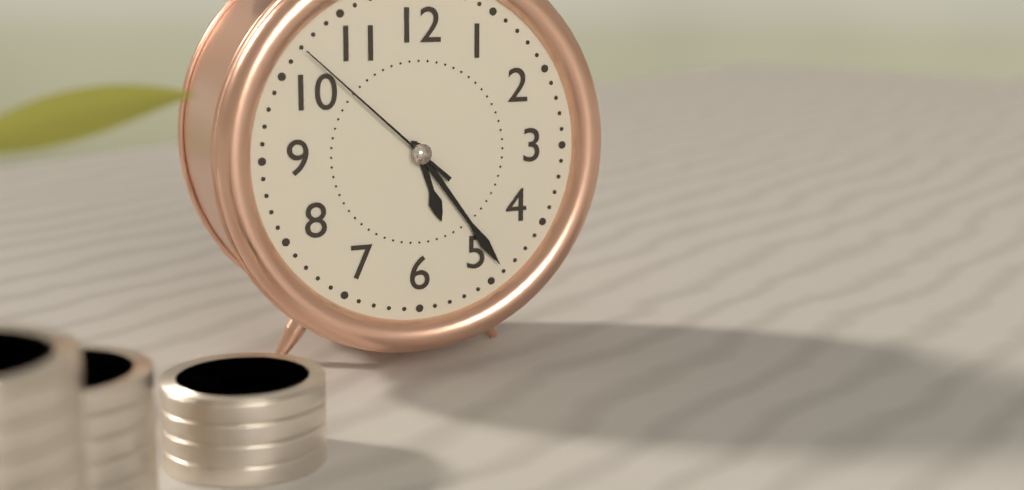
5:24:52
